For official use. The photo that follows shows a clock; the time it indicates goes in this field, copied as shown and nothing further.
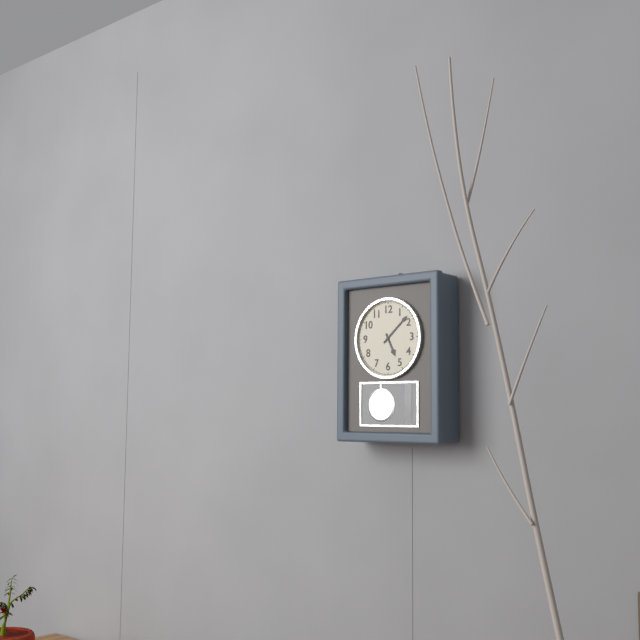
5:08
